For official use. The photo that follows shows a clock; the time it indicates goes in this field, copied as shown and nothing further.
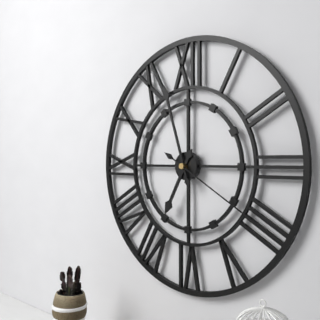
6:57:20
